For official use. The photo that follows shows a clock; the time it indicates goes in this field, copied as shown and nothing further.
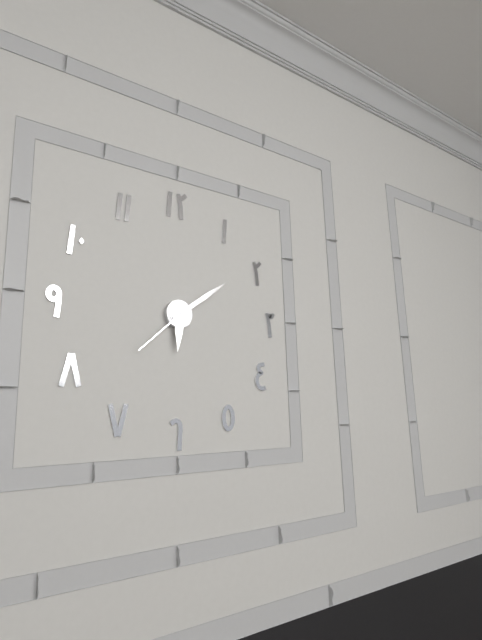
6:09:38
